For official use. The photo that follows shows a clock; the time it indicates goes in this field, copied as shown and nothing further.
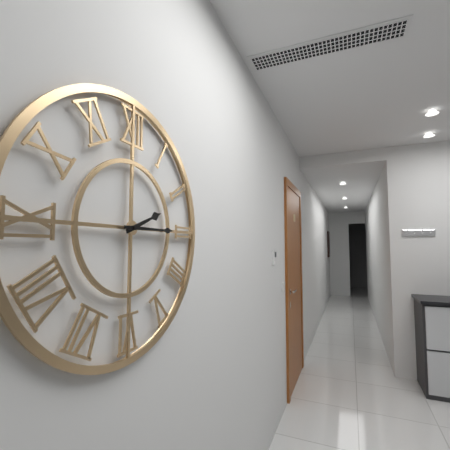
2:15
